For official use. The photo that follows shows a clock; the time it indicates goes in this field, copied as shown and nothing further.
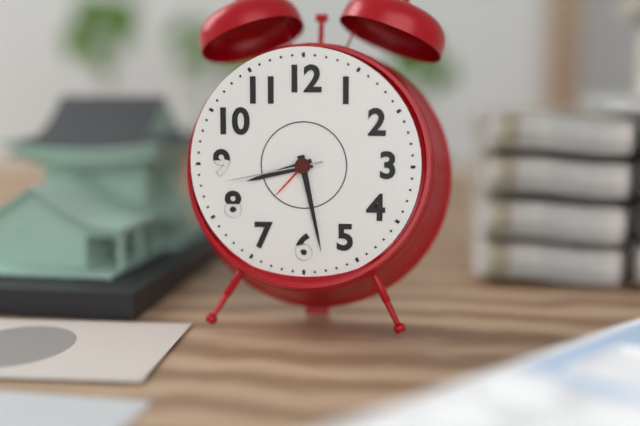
8:28:43
